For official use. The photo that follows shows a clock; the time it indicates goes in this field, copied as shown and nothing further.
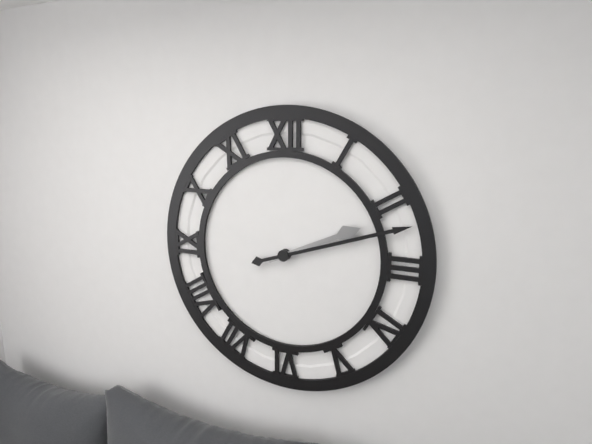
2:12
